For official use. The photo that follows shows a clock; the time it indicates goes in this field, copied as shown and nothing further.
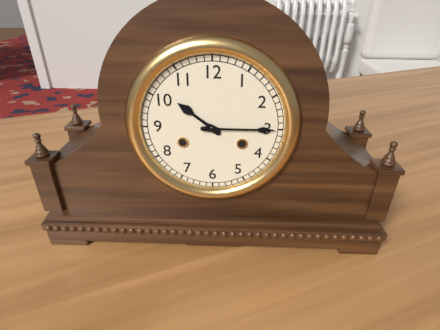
10:15
